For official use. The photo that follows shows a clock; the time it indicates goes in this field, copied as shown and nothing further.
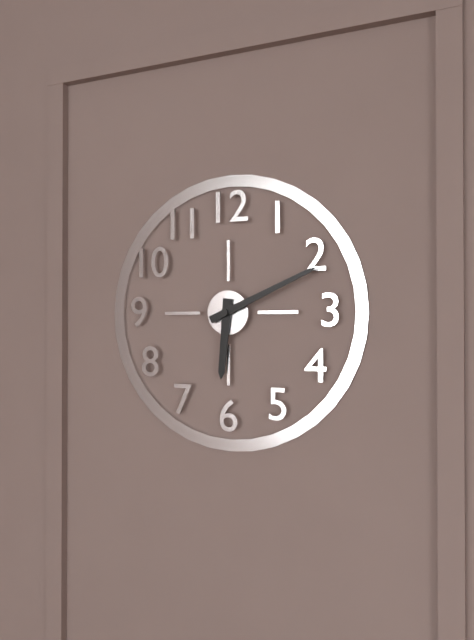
6:11
